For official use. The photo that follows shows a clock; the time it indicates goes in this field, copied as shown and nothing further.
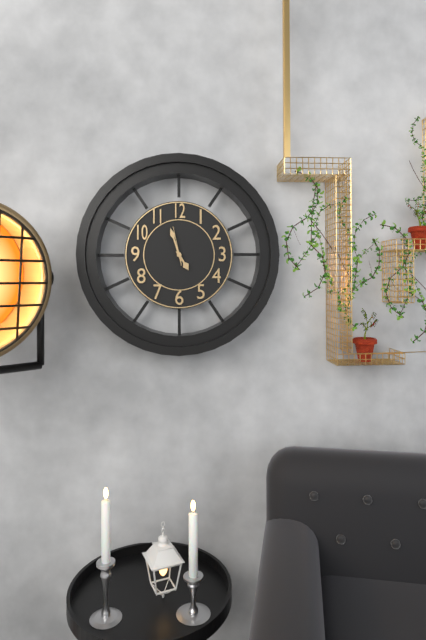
4:57
